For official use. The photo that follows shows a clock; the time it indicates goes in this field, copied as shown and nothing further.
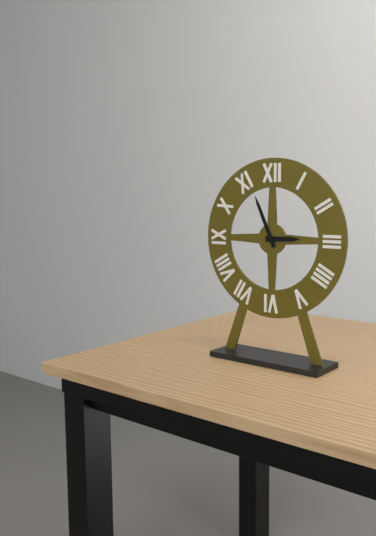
2:56
